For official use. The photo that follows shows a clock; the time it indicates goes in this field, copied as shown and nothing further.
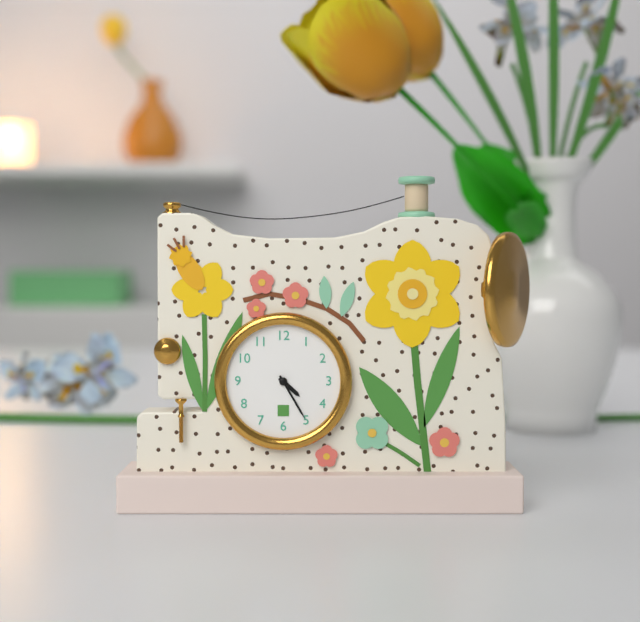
4:25
